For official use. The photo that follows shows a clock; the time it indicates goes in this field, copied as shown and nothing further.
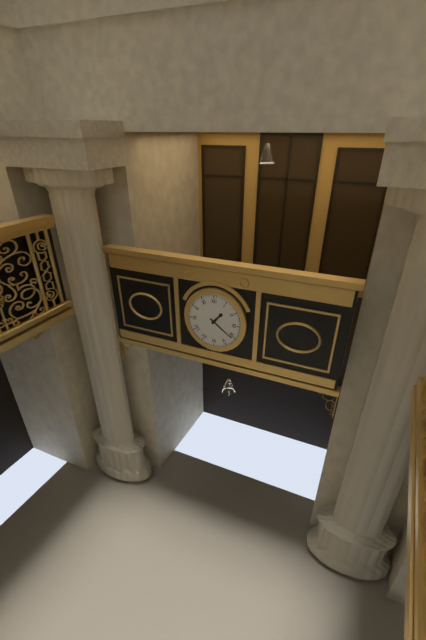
1:21
